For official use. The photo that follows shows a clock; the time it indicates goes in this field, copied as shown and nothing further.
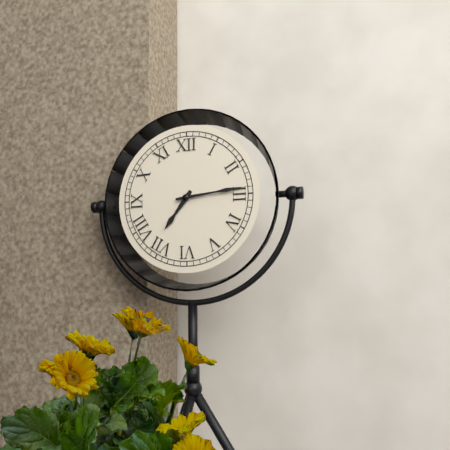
7:14
